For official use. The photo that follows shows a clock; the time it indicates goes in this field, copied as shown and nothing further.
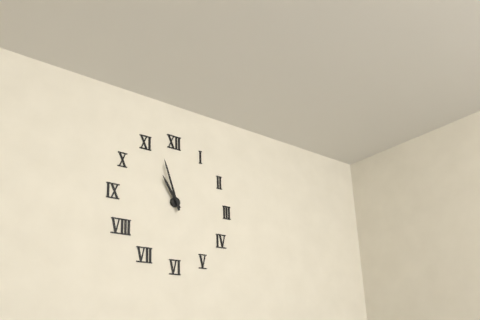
10:57
